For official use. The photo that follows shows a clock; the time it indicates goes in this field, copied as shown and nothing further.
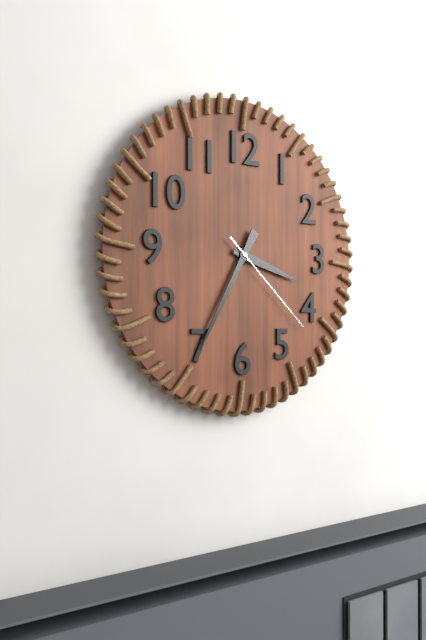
3:35:22
